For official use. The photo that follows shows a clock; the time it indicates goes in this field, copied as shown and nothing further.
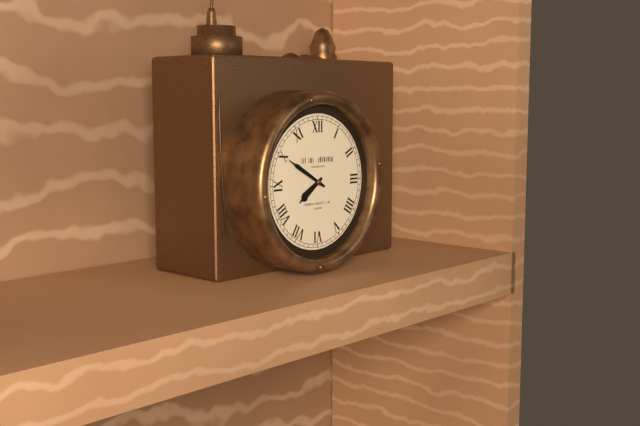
7:50
